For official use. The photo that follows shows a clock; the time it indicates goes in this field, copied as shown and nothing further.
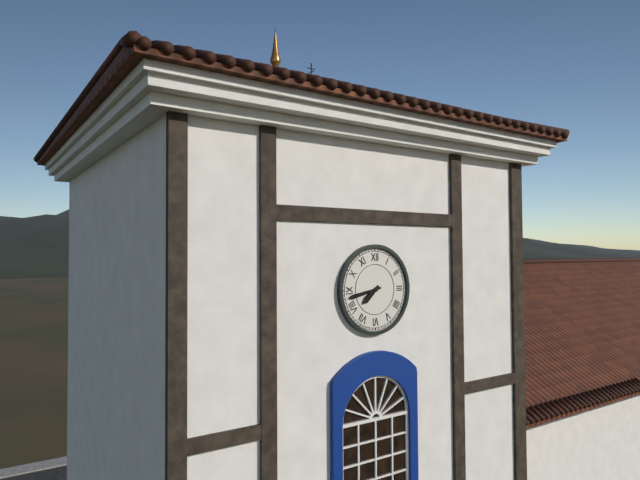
7:43
